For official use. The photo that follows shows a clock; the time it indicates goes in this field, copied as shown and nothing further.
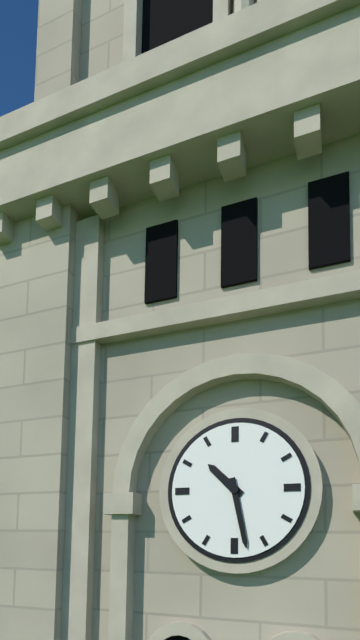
10:28
